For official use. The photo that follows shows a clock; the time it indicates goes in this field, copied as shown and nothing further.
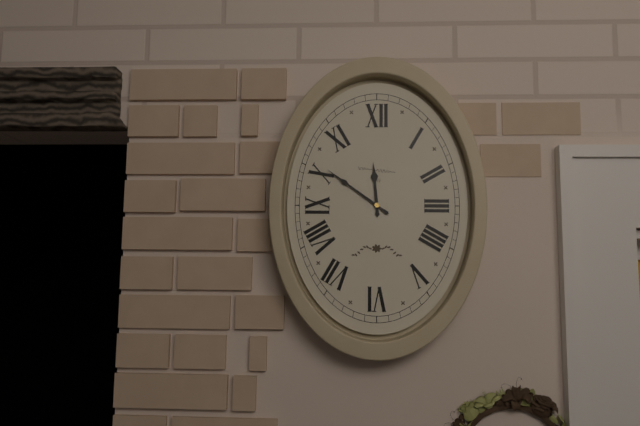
11:51
